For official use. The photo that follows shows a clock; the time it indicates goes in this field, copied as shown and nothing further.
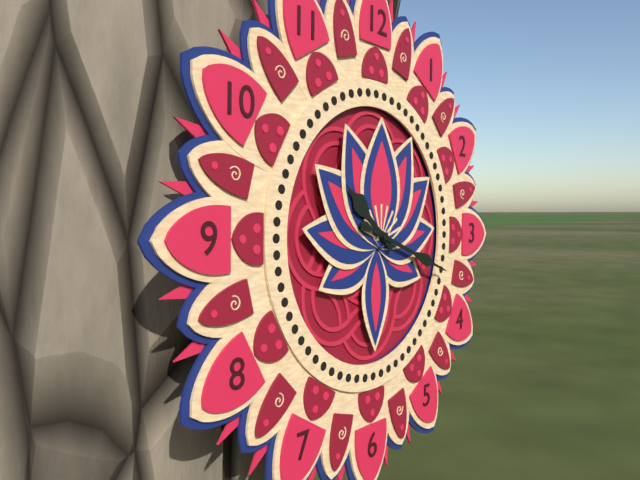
10:18
